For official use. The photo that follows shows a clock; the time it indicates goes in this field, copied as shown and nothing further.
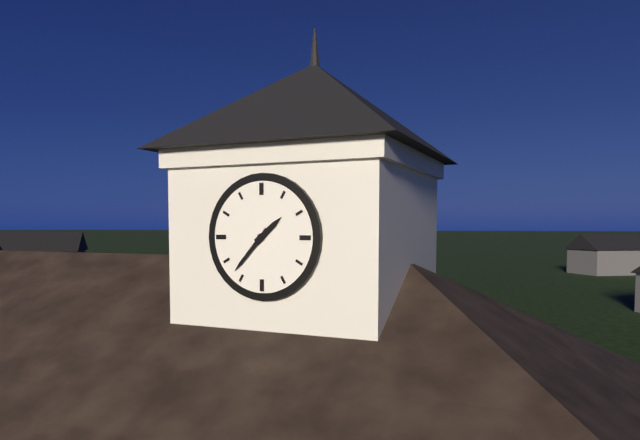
1:37
